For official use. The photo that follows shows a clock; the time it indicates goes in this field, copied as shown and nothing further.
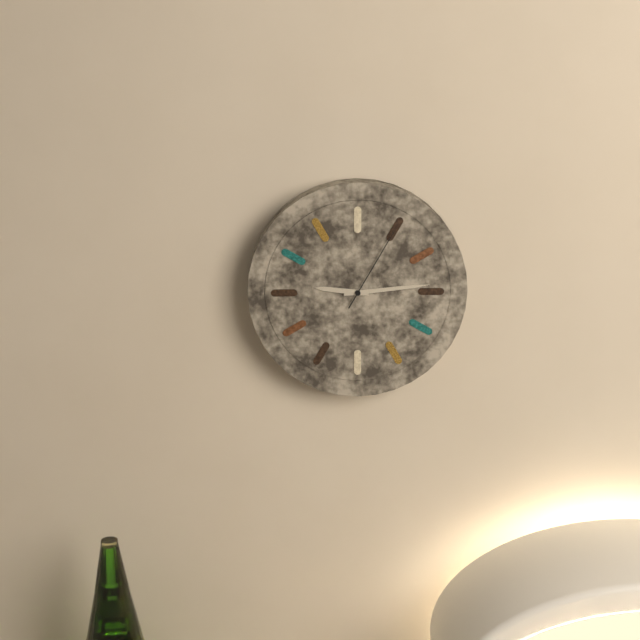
9:14:05
